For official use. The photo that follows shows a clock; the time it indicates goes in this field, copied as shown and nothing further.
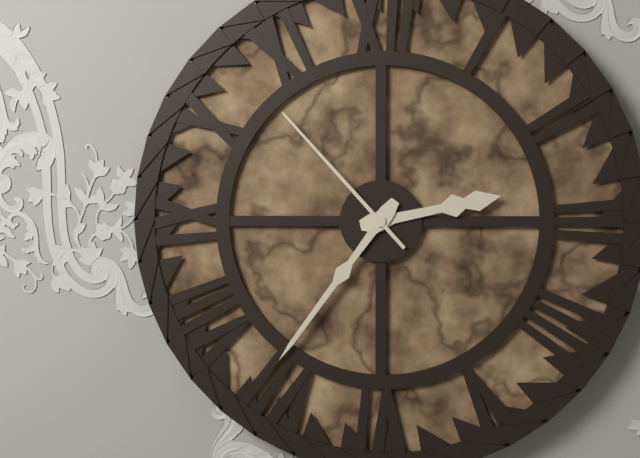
2:36:53
